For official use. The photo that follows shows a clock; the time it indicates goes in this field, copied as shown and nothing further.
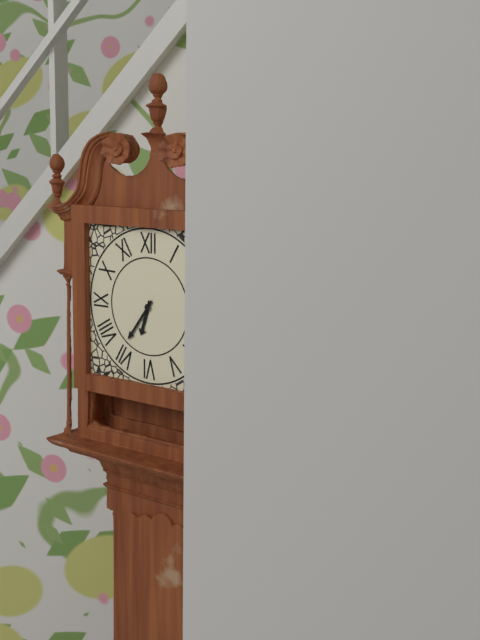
6:36
